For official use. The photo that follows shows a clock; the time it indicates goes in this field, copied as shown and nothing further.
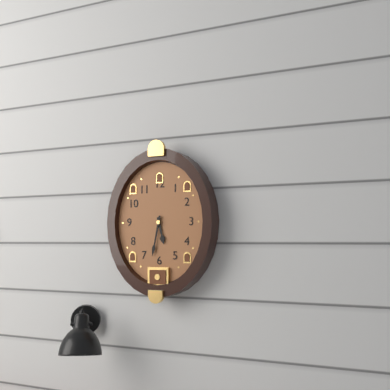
5:32
